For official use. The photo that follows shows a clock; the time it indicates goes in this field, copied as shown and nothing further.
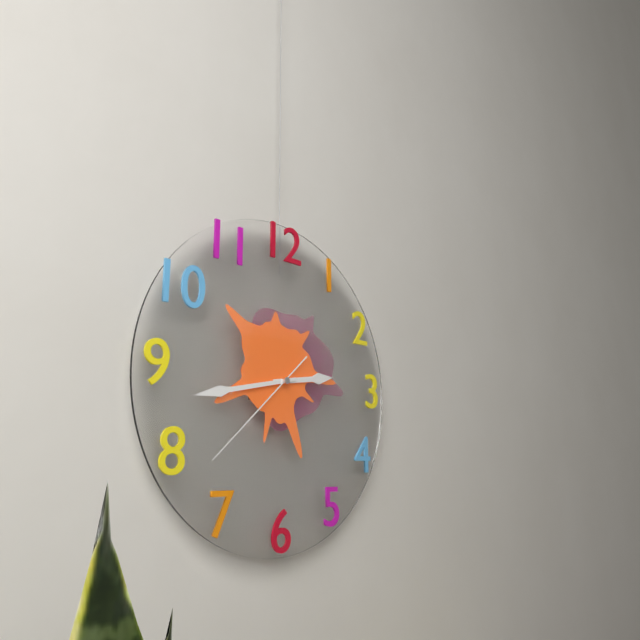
2:43:38
